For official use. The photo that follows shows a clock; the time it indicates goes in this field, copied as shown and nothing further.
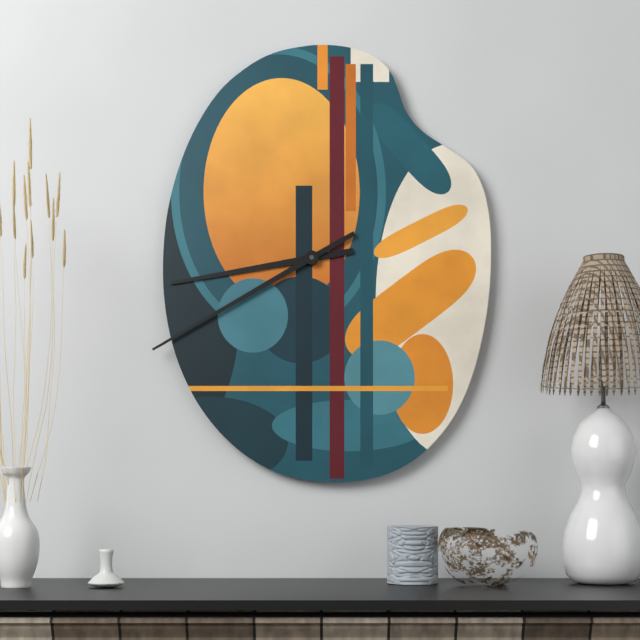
8:40
